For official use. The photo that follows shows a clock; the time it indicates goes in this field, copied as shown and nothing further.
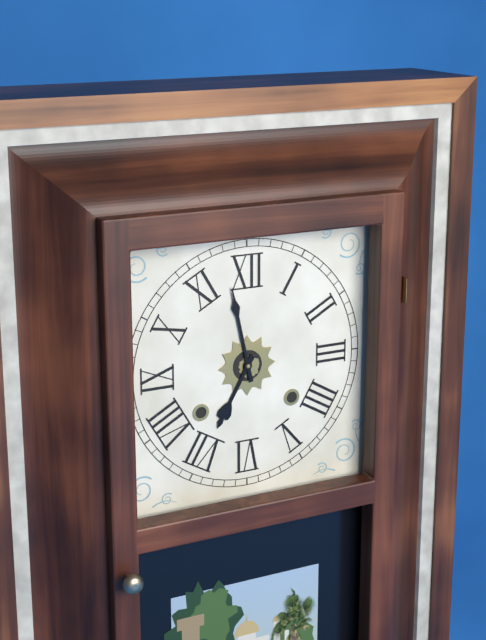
6:58
